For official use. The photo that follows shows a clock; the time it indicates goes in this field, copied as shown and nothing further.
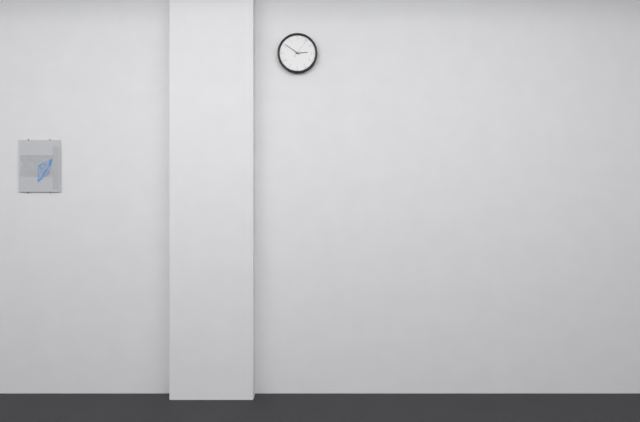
2:51
